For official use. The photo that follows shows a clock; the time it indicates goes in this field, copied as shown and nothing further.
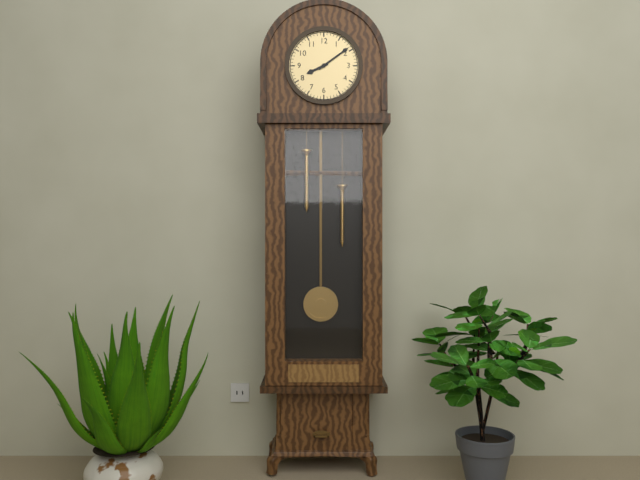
8:09
